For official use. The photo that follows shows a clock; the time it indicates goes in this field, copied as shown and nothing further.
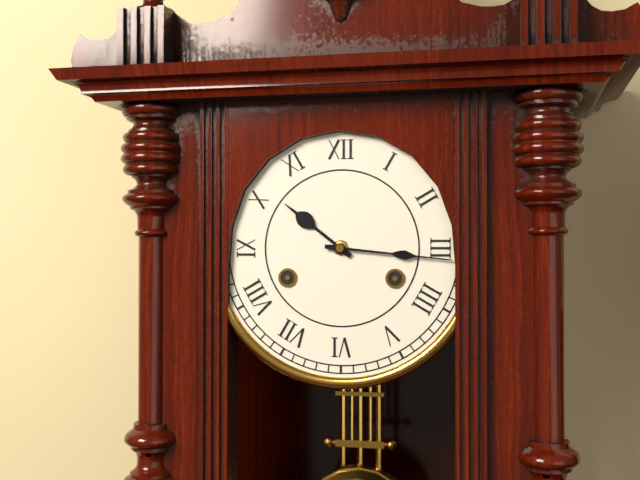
10:16
